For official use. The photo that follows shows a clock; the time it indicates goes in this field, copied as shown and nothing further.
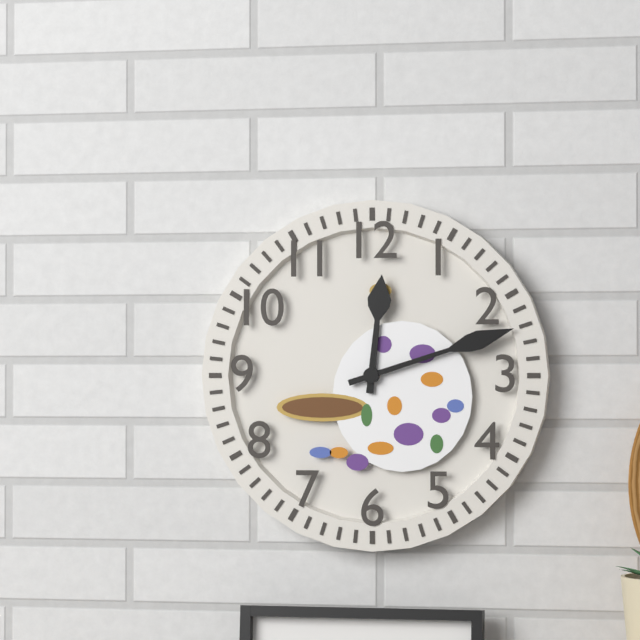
12:12
